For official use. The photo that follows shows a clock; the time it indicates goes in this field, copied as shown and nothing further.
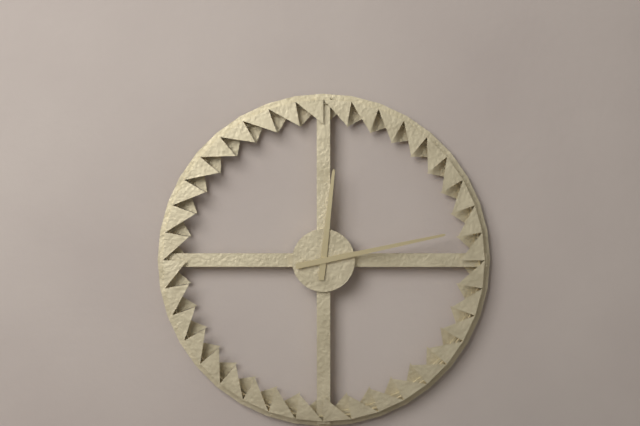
12:13
